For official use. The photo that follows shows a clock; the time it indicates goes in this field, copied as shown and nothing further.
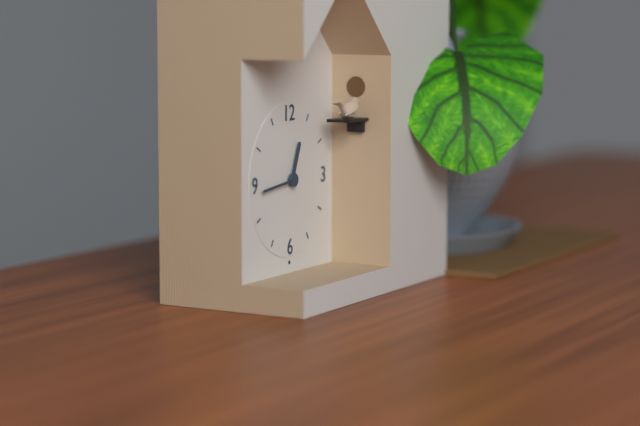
12:44
